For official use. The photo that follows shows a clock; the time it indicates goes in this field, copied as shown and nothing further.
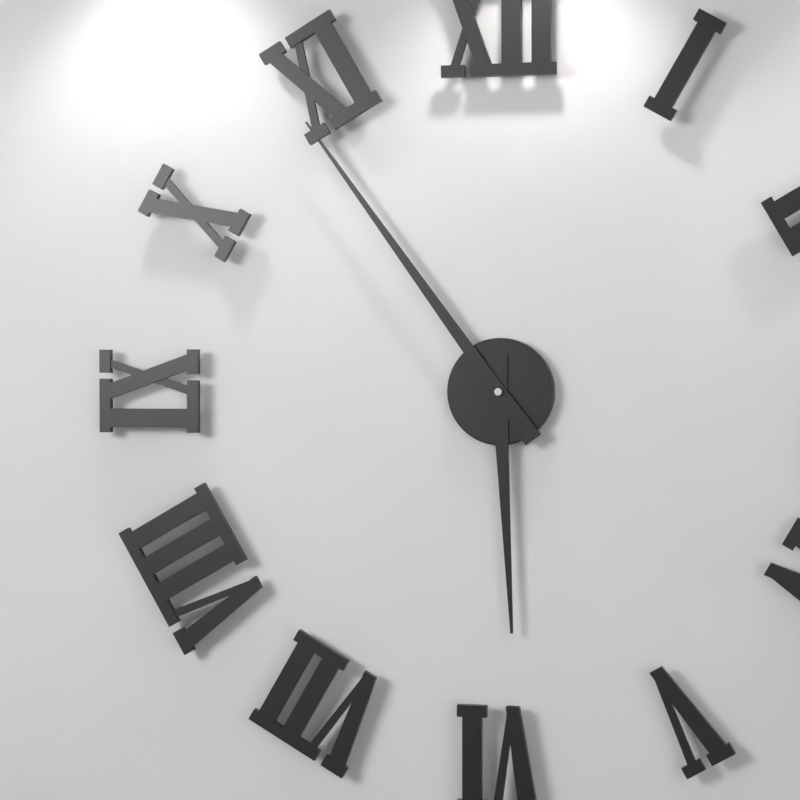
5:54
